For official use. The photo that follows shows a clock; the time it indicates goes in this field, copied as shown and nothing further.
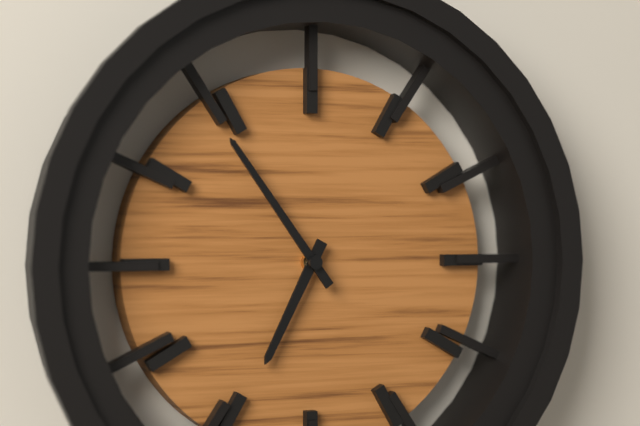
6:54
